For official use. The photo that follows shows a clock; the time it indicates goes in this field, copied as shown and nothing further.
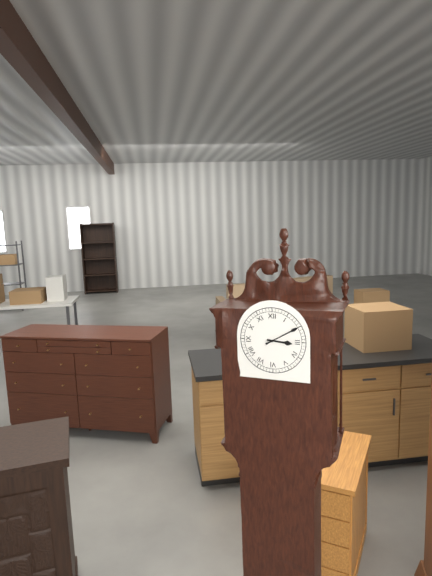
3:10
